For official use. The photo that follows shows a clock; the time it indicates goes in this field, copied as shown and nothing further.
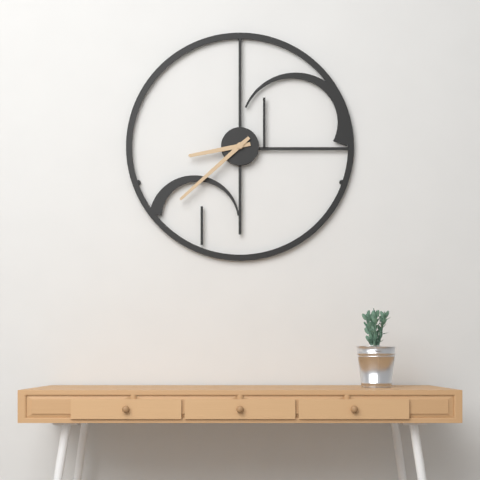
8:38
